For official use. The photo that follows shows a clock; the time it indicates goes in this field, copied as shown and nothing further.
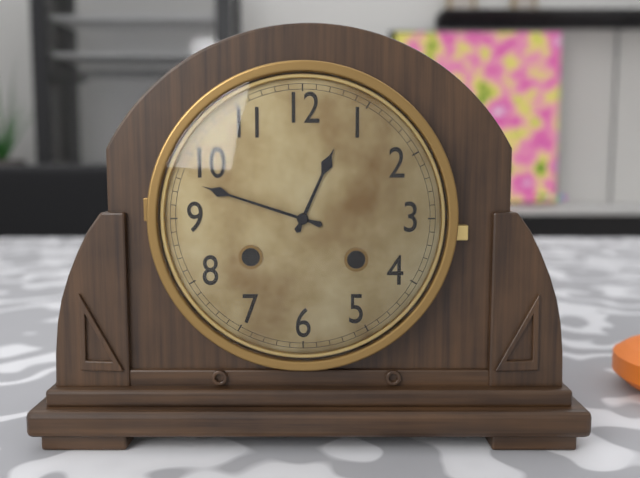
12:48
